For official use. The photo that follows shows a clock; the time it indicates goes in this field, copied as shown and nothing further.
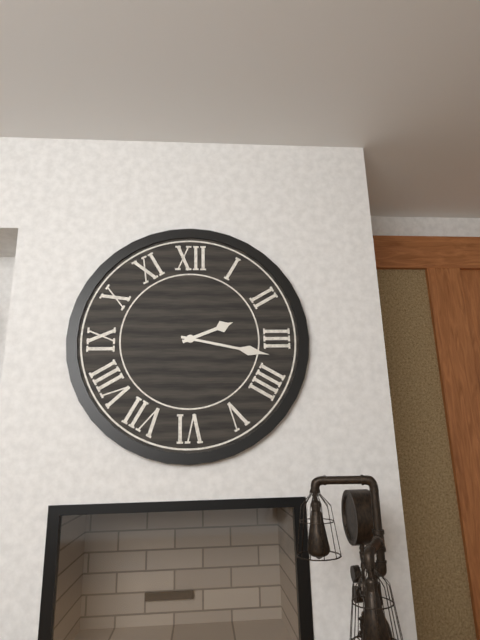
2:17
